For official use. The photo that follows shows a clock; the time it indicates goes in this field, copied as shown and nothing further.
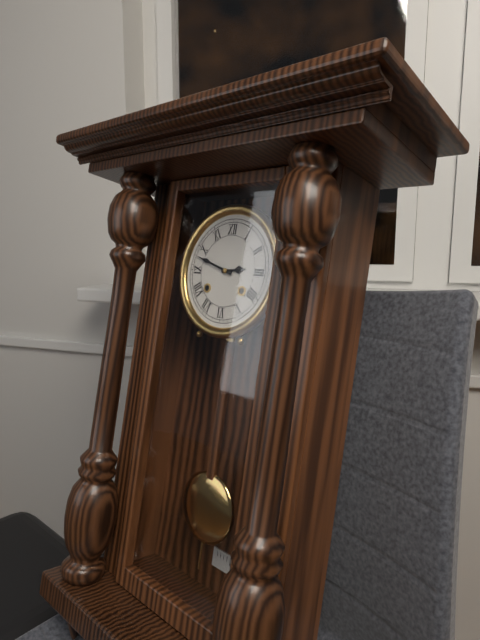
2:48
